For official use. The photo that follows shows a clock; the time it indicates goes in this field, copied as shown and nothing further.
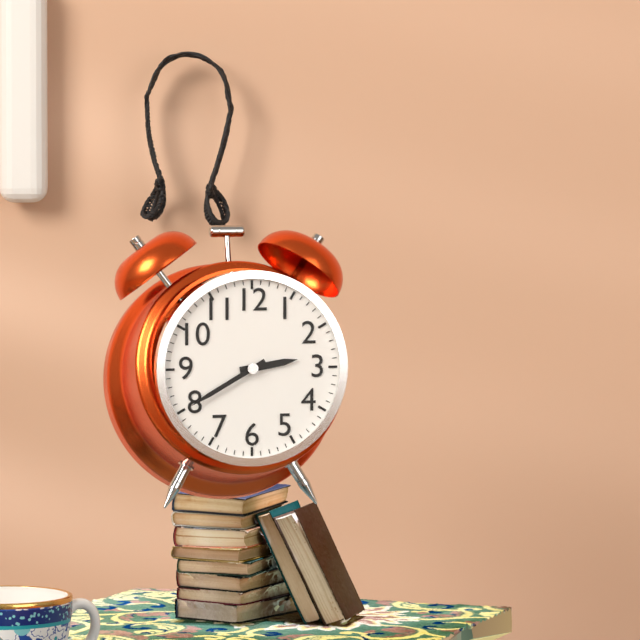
2:40
